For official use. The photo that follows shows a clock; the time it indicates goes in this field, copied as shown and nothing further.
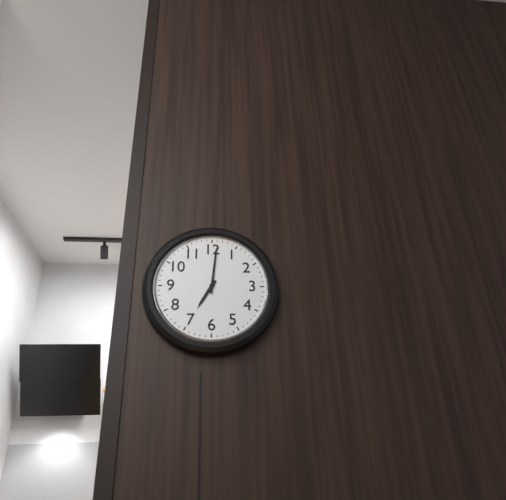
7:01
